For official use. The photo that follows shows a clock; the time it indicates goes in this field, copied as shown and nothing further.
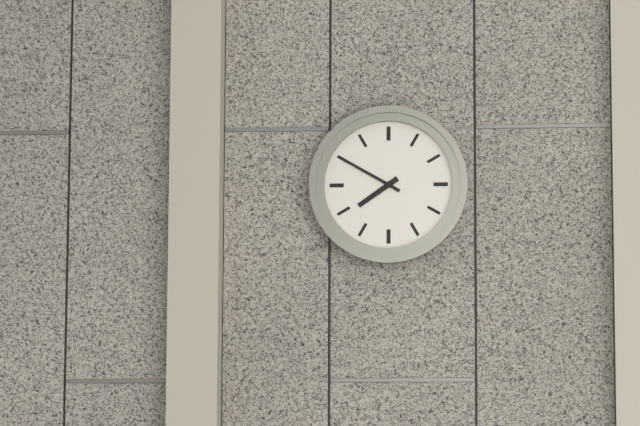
7:50
